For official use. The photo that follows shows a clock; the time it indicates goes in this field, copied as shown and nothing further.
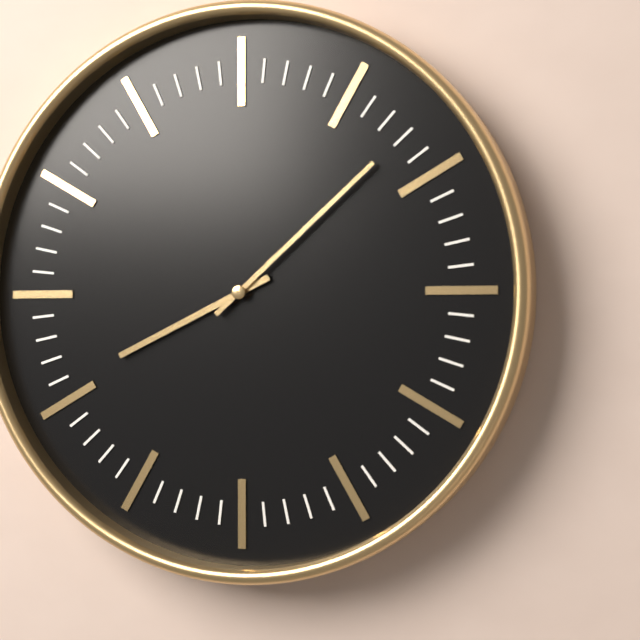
8:08
